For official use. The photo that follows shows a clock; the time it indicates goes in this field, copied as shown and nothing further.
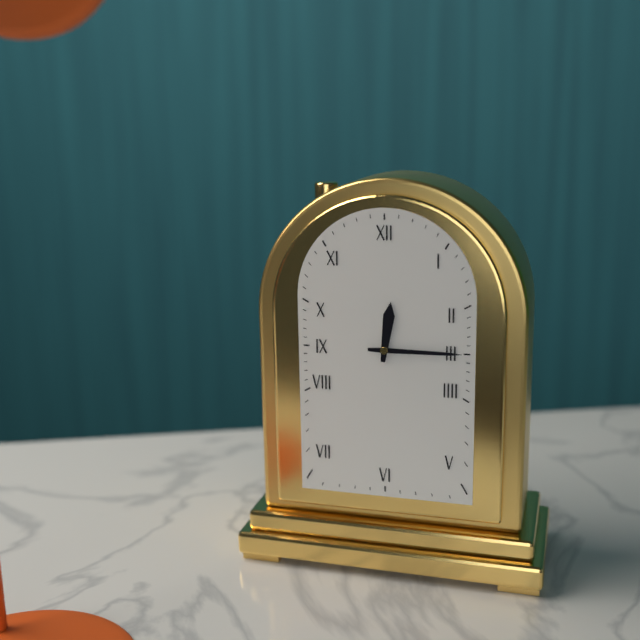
12:15
